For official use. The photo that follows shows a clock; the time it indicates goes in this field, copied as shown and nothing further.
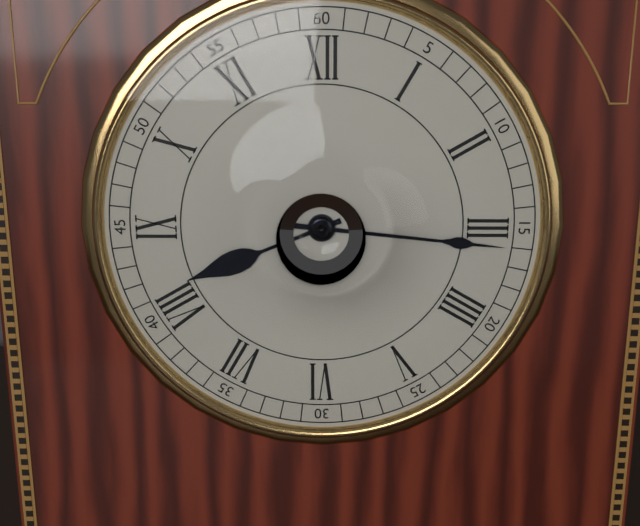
8:16
